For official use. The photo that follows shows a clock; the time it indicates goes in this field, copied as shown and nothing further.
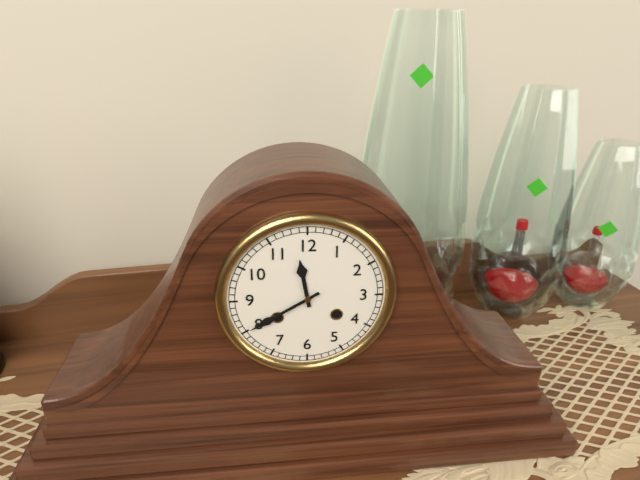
11:40
